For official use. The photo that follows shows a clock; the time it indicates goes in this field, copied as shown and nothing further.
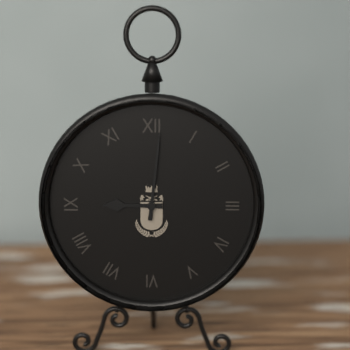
9:01
